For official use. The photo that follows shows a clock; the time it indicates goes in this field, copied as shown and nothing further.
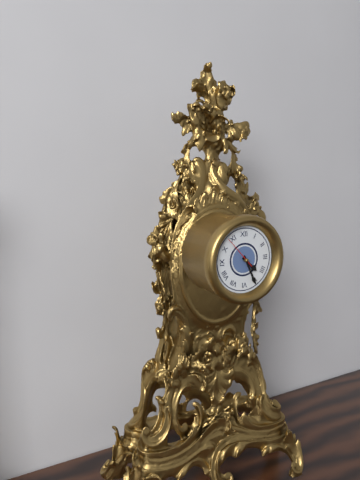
4:26
